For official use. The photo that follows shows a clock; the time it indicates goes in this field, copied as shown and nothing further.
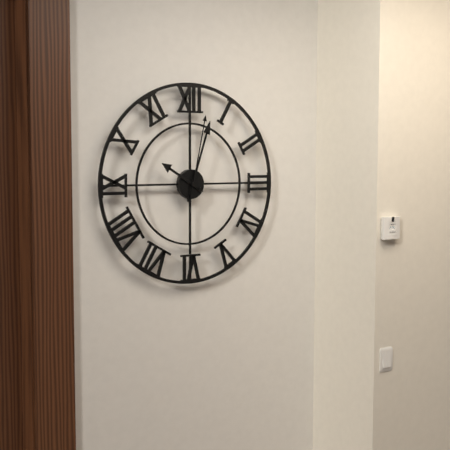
10:03:02
